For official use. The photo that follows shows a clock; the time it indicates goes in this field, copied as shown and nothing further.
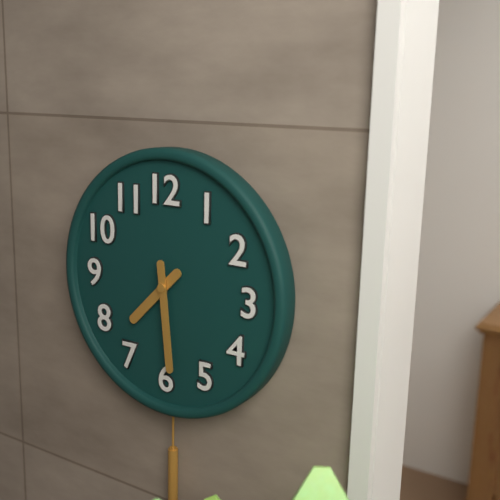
7:29
